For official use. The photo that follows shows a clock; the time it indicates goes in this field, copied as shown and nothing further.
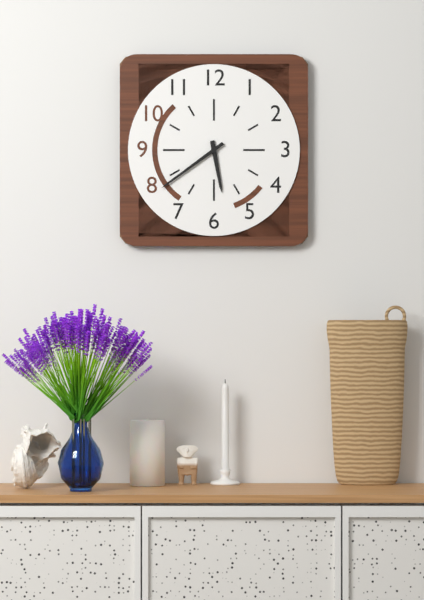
5:39
